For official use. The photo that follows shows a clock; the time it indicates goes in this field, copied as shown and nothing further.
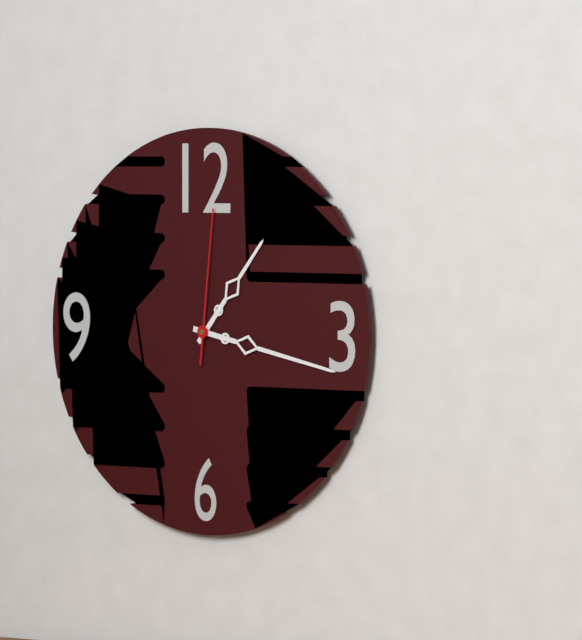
1:17:01
